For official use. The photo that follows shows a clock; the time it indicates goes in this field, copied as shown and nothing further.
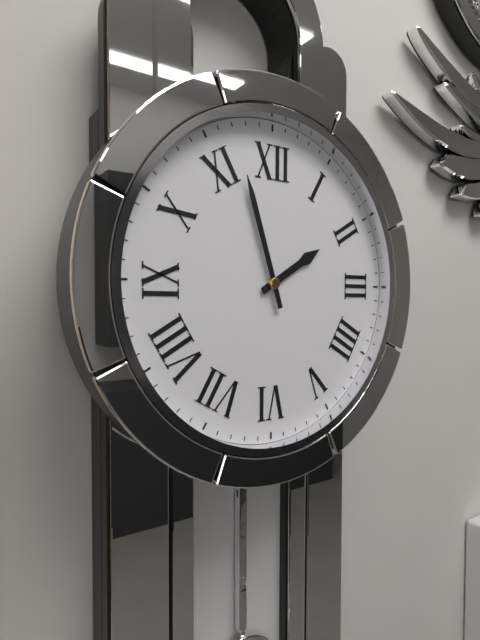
1:57
